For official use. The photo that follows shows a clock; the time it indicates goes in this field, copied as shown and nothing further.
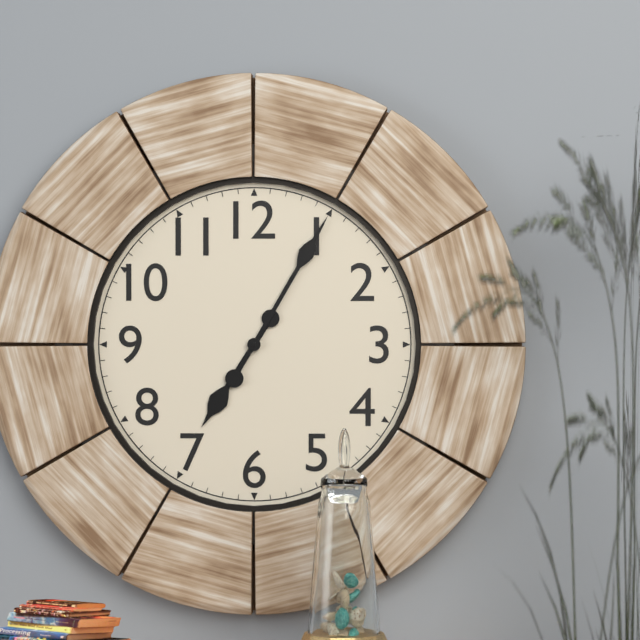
7:05
